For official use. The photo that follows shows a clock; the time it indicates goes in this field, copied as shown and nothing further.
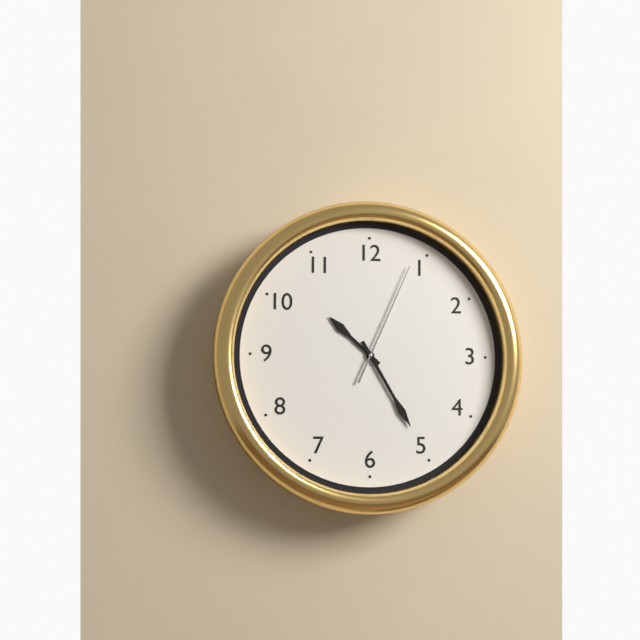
10:25:04
